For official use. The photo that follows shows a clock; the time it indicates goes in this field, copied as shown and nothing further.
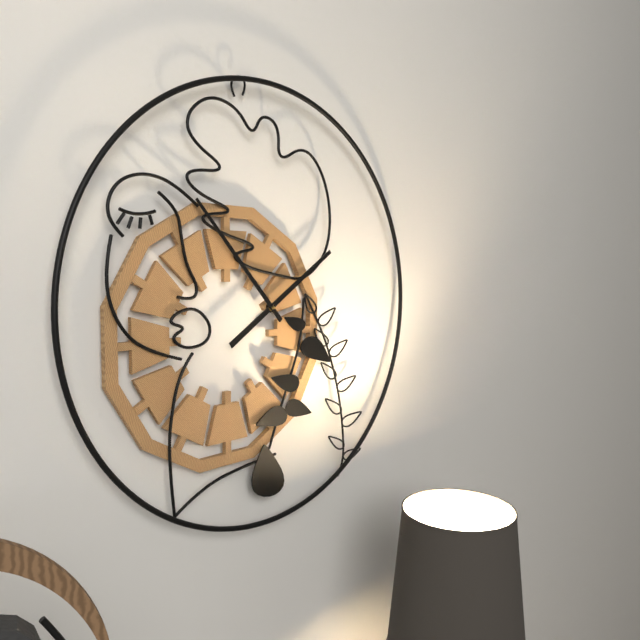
1:53
